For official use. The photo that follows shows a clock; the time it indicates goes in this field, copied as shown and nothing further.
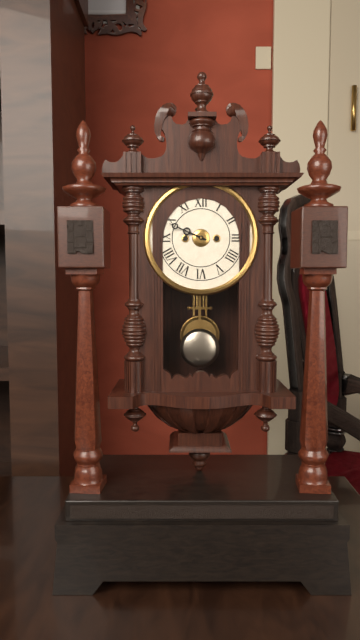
9:49
